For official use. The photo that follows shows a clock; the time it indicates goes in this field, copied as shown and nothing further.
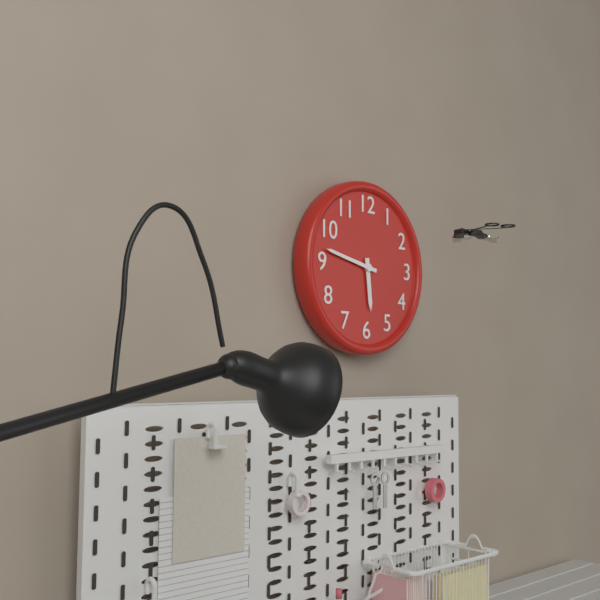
5:47
